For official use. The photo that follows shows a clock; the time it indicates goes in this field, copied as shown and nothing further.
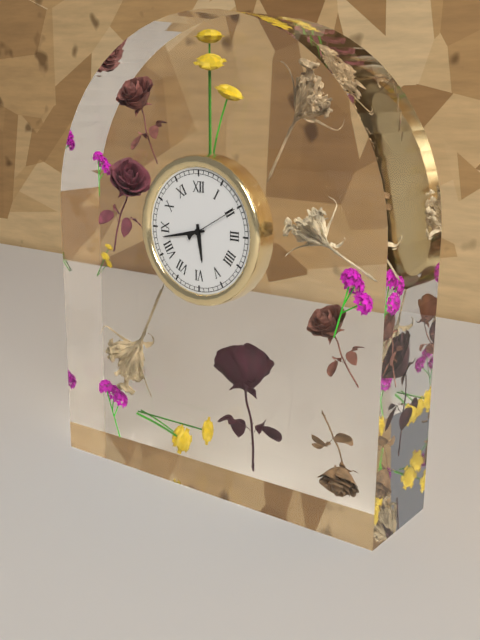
5:43:10
